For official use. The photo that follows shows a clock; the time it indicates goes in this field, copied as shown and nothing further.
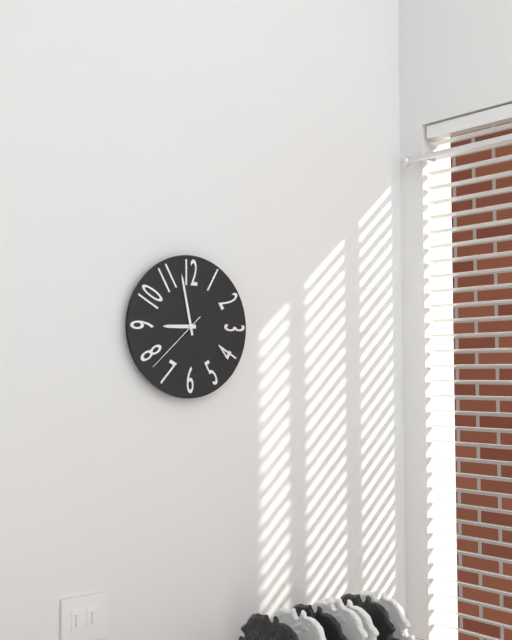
8:58:38
